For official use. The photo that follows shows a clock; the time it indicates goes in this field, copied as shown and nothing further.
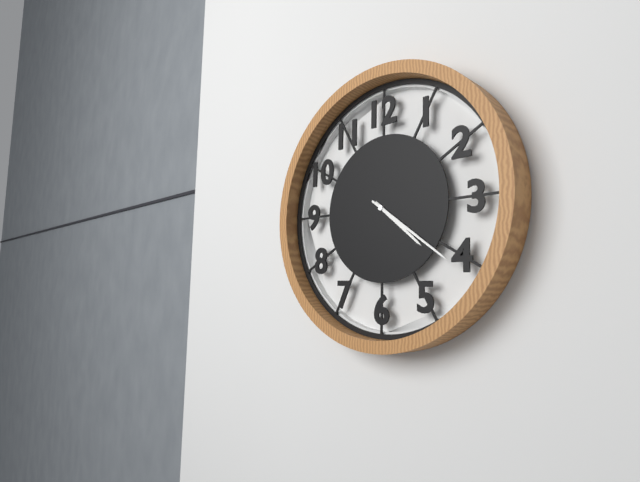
4:21
